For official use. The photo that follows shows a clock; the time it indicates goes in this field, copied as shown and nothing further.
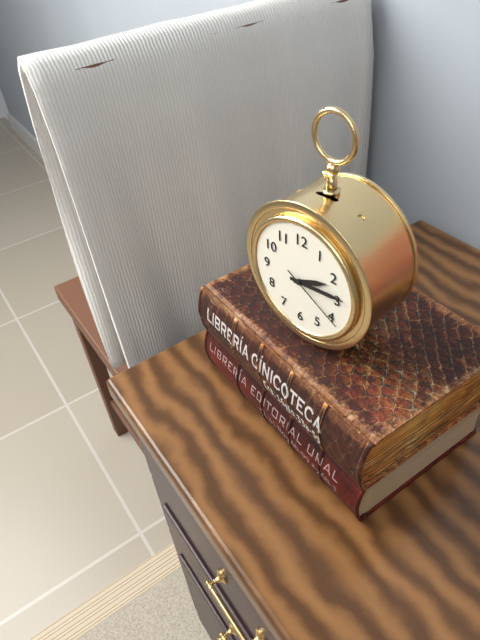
2:14:20
